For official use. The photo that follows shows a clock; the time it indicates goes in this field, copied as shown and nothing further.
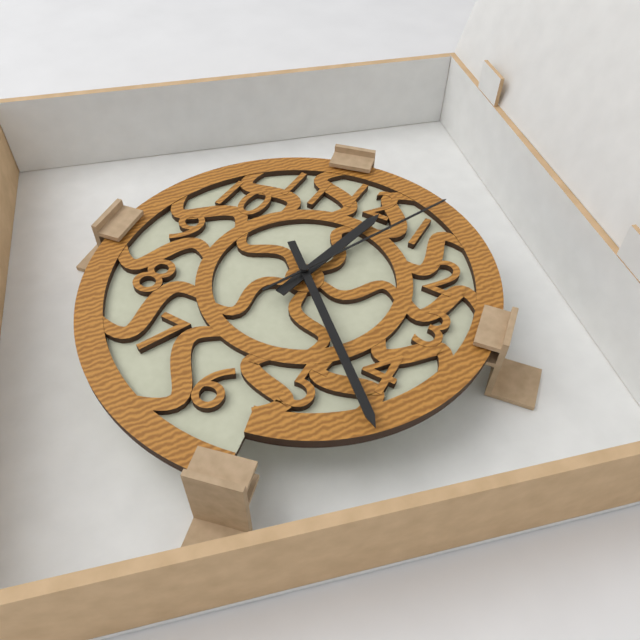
12:22:04
